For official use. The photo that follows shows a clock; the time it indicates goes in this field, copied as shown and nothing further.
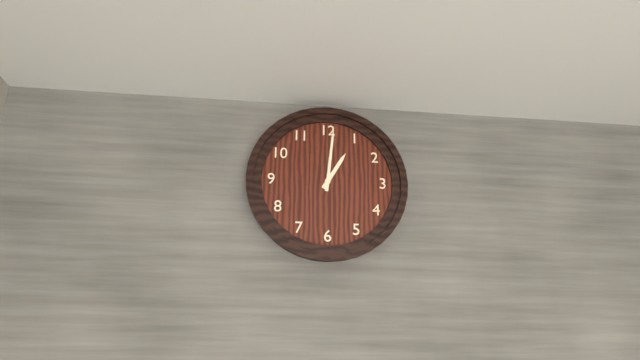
1:01
